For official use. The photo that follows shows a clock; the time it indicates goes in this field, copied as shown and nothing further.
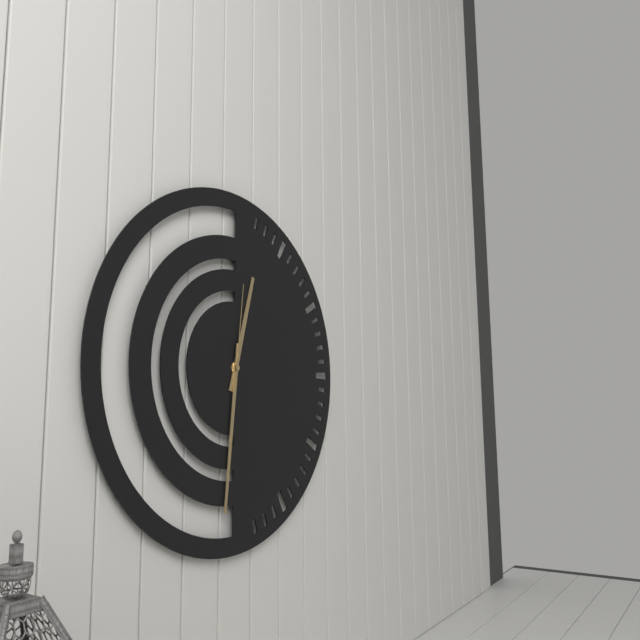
12:31:01
